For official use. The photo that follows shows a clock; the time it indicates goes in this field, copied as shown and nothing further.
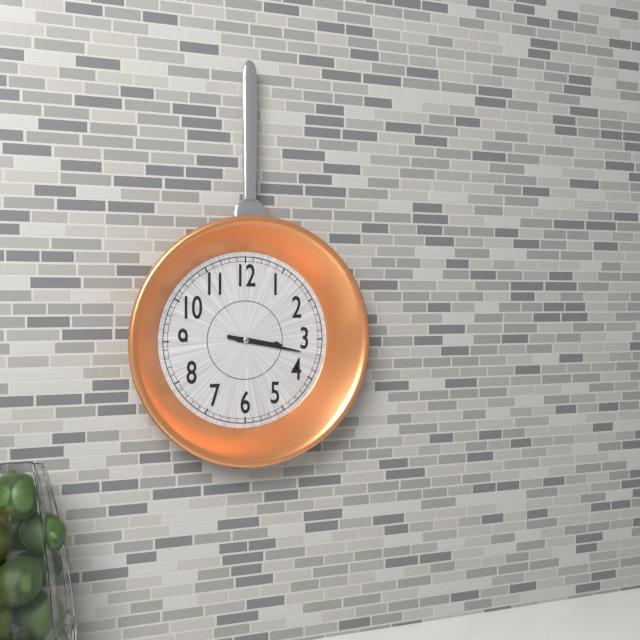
3:17
